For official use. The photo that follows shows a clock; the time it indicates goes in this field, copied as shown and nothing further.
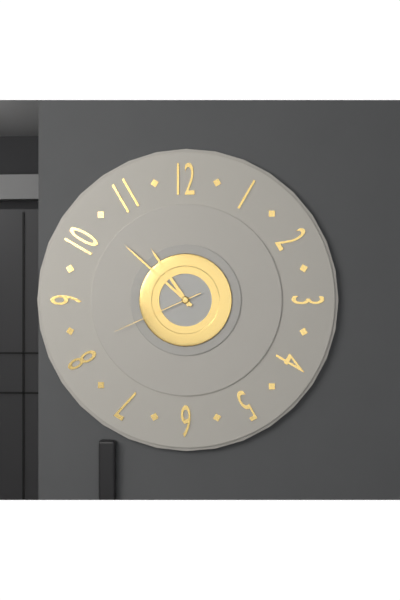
10:52:41
